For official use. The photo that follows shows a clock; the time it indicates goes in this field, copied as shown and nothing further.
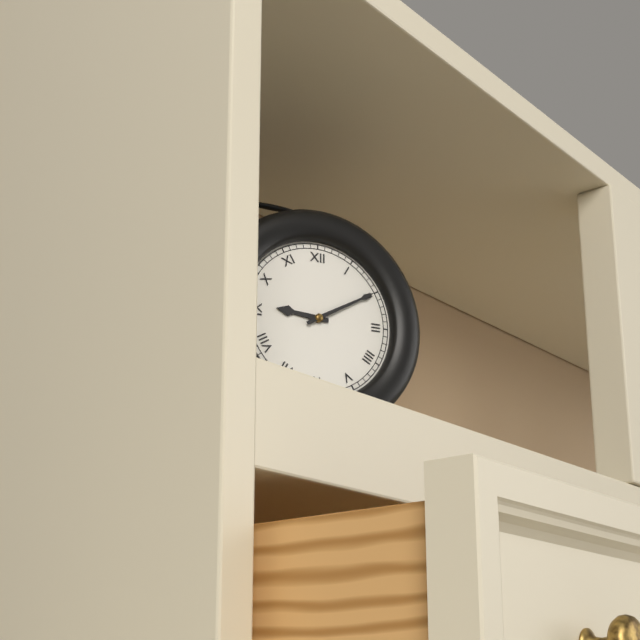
9:10
